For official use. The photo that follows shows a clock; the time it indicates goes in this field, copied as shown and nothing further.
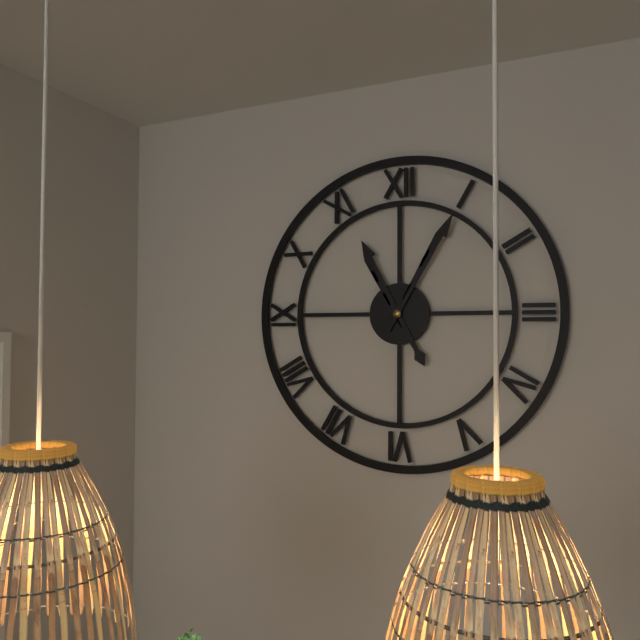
11:05
